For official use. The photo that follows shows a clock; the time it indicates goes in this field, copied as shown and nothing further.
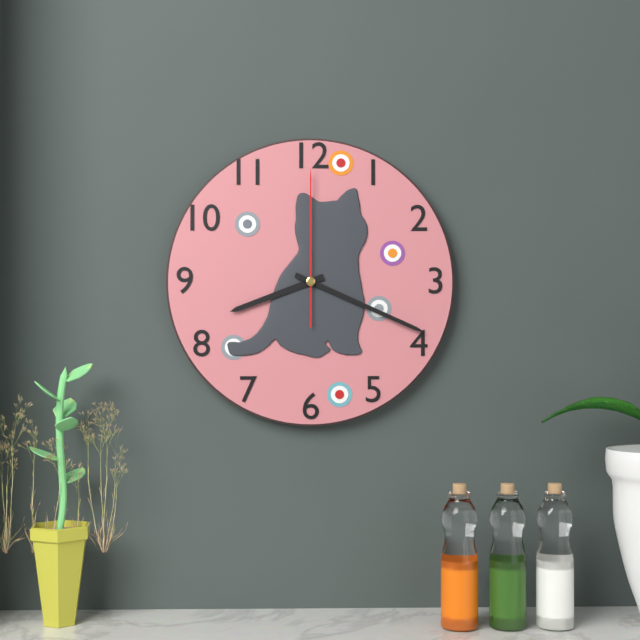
8:19:00
